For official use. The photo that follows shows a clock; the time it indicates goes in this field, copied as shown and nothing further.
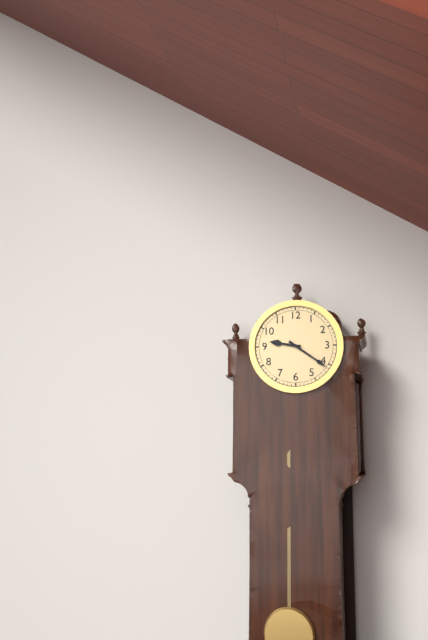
9:21
